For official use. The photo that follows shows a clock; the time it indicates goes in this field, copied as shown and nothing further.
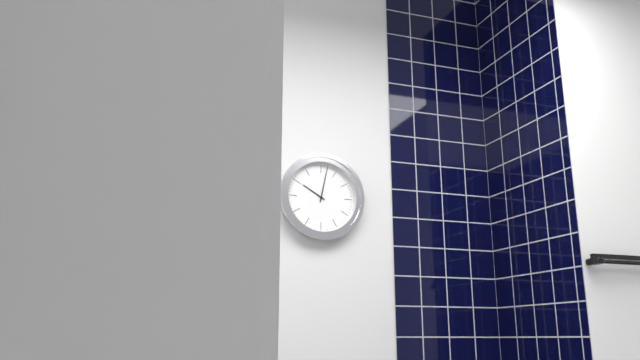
10:02
